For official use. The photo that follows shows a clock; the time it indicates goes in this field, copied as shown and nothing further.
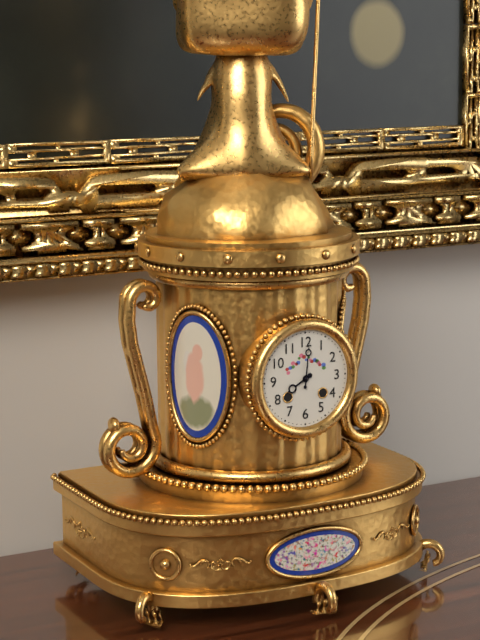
8:01
